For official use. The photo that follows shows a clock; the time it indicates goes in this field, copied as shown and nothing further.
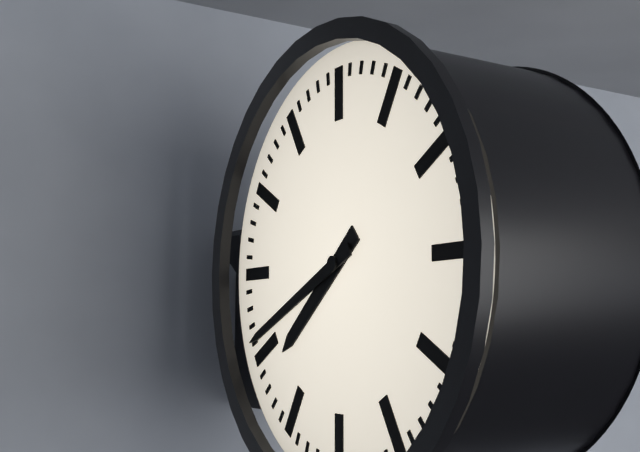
7:41
